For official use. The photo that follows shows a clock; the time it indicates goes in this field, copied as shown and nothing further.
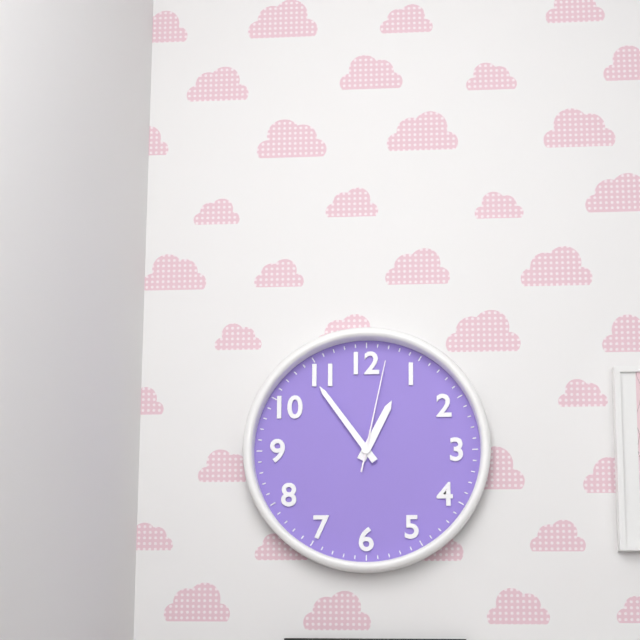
12:54:02
